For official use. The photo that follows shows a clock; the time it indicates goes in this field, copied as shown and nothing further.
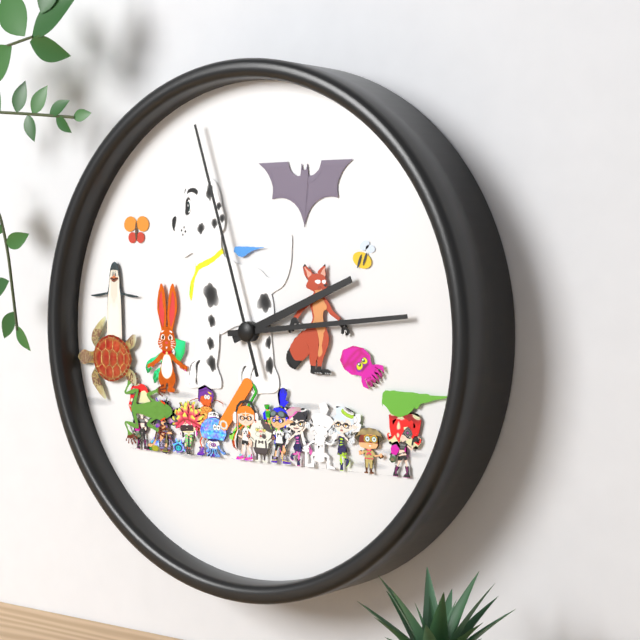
2:14:57
